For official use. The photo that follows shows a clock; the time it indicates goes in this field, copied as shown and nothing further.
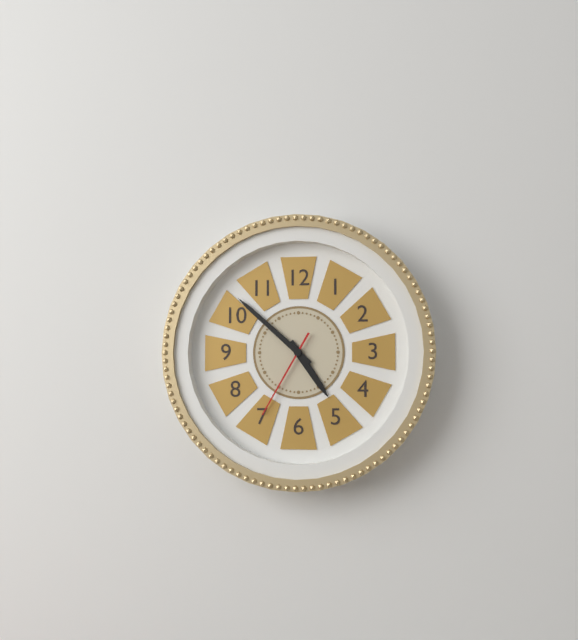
4:52:35
